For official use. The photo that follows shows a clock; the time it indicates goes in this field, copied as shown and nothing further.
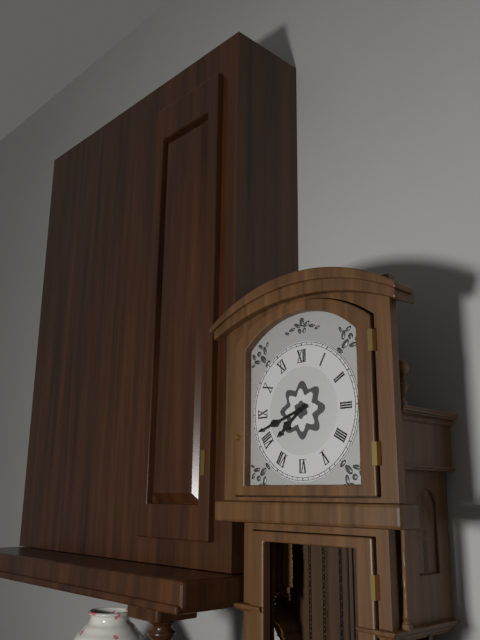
7:42
